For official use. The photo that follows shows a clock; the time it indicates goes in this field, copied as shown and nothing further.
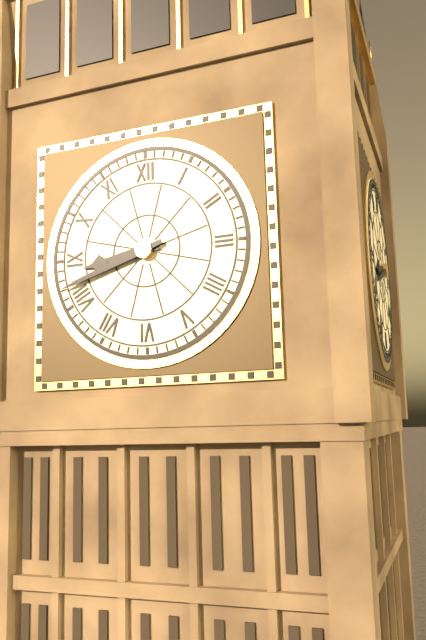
8:42
